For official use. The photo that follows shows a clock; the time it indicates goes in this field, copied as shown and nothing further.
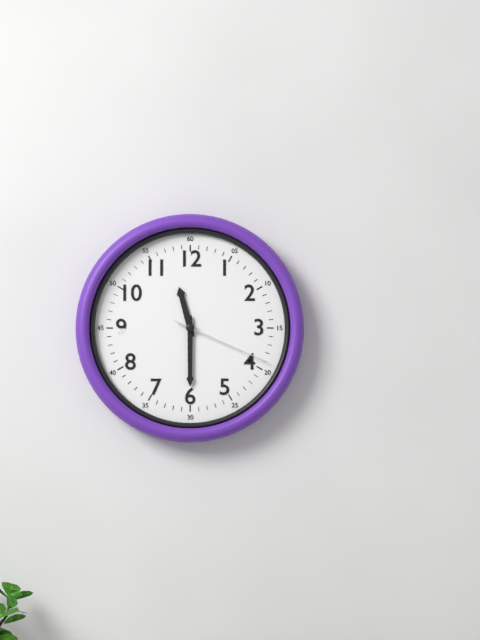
11:30:19
